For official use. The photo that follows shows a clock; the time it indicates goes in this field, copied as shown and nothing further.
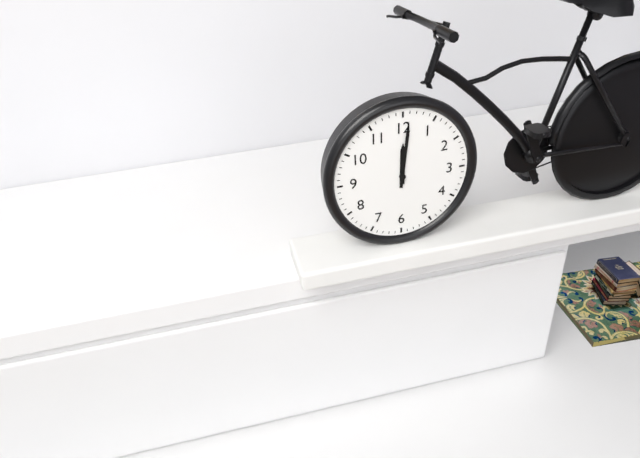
12:01
